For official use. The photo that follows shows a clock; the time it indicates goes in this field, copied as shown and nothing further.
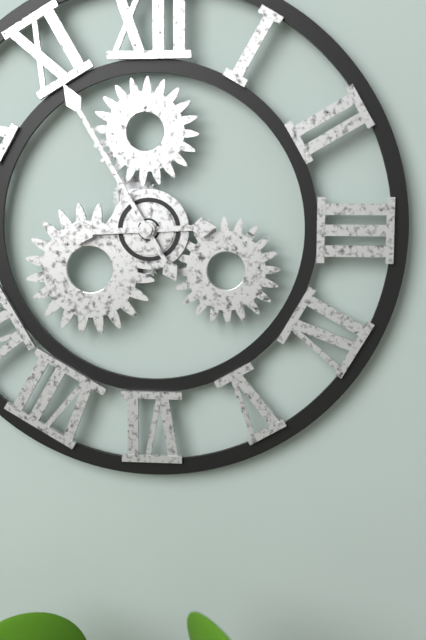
8:55
